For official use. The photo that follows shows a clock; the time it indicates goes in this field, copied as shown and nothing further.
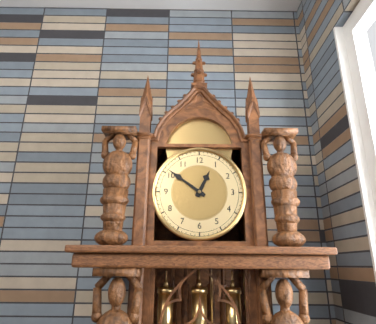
12:51
